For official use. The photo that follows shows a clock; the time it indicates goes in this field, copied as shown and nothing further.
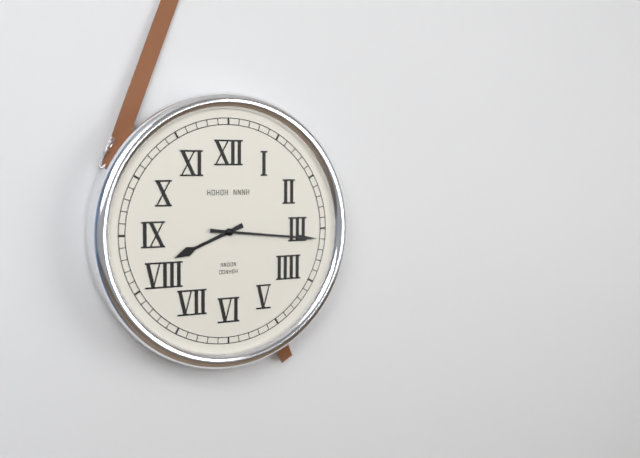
8:16
